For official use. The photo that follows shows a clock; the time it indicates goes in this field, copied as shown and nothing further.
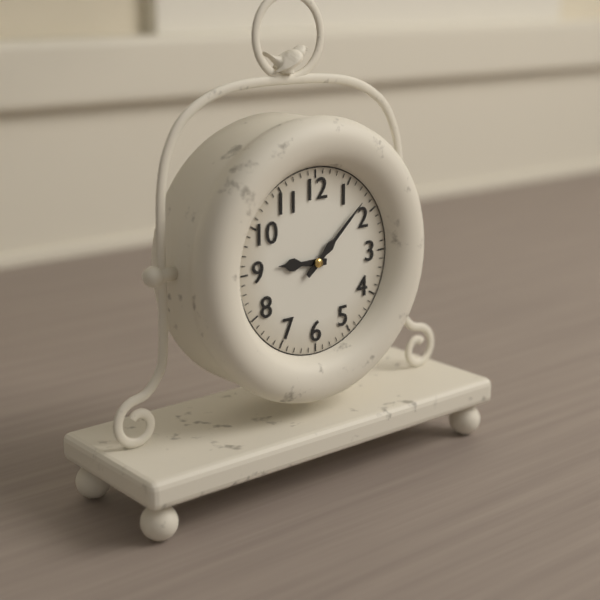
9:08
